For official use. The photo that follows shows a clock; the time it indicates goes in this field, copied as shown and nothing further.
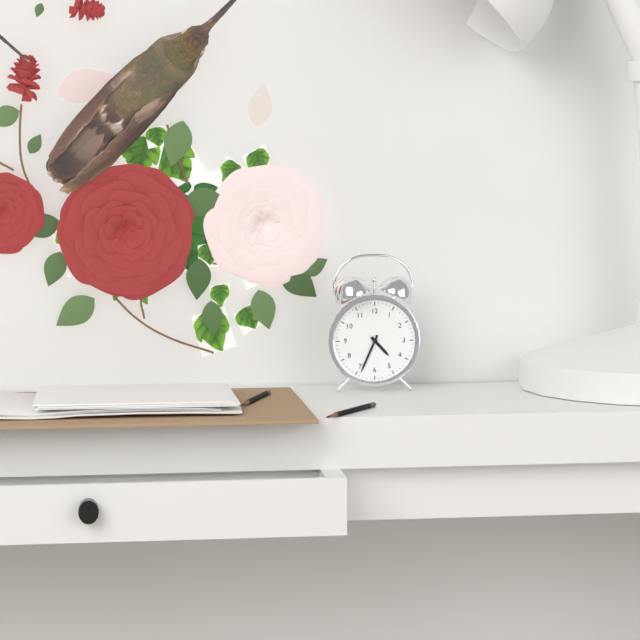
4:34
